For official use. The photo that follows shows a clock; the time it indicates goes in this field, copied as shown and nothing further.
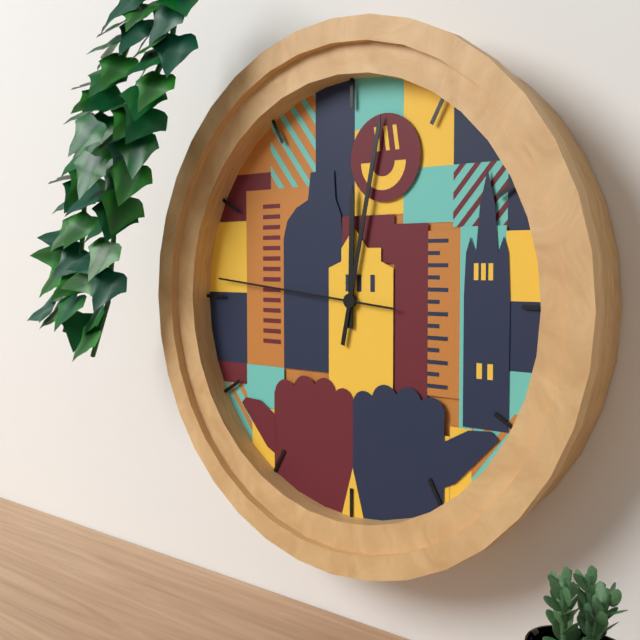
12:02:46
